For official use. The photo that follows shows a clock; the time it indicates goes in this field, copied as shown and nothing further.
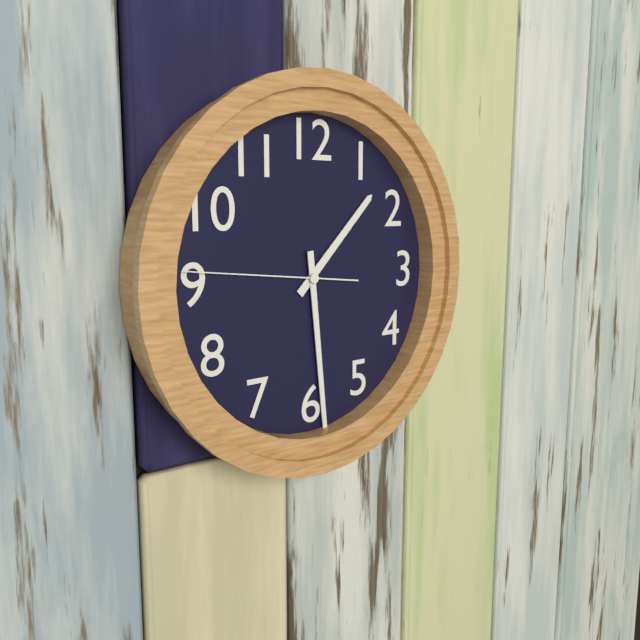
1:29:46
